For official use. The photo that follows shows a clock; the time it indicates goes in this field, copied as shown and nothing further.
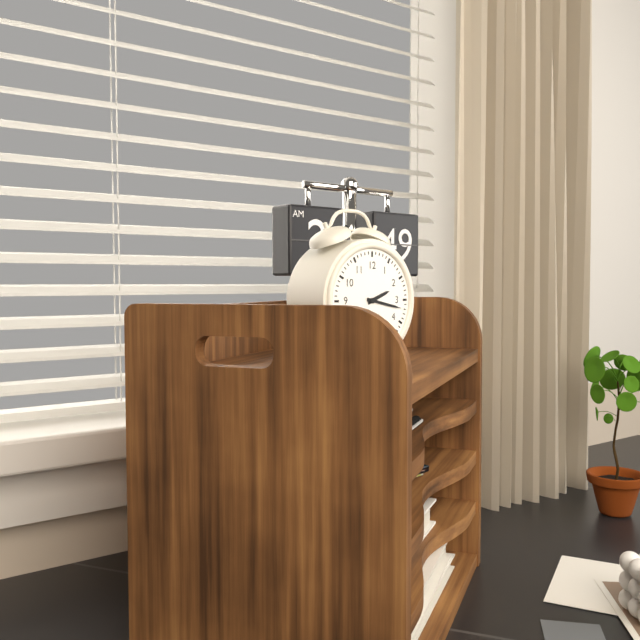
2:17
